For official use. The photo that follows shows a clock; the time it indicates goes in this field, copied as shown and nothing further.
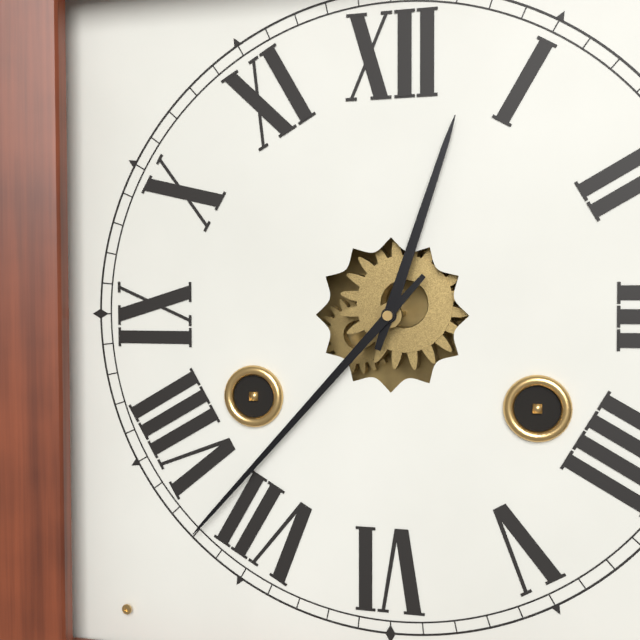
12:37
